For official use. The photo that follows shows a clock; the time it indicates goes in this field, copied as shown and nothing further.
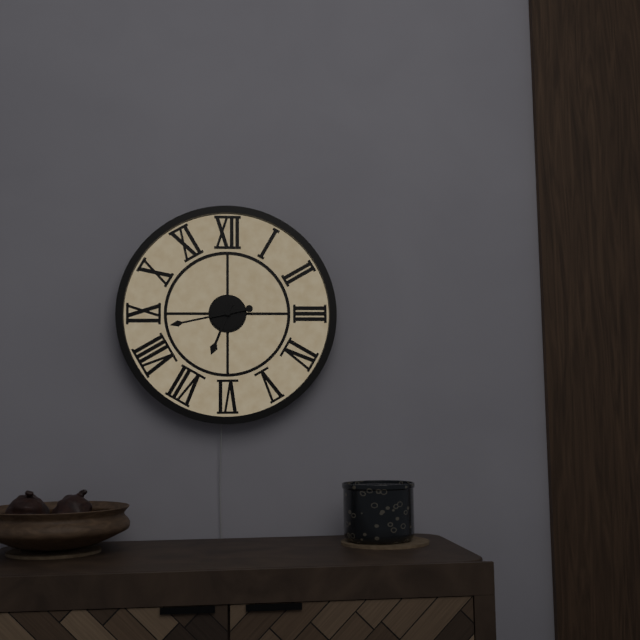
6:43
